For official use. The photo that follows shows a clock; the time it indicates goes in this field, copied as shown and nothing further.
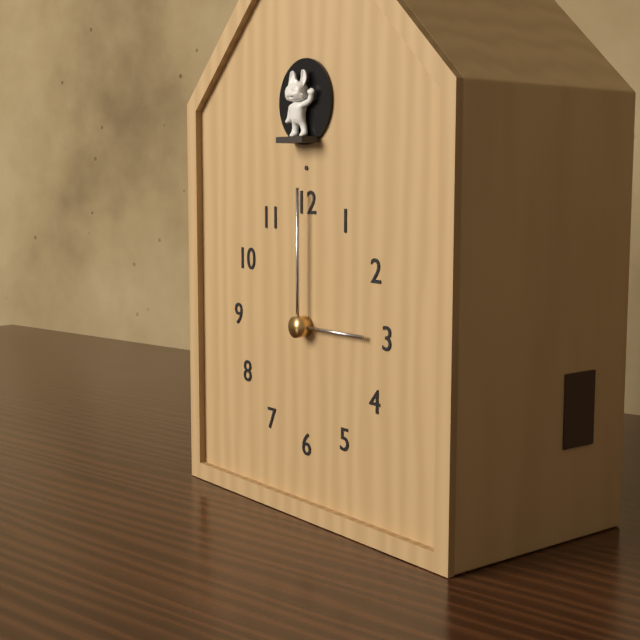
3:00
